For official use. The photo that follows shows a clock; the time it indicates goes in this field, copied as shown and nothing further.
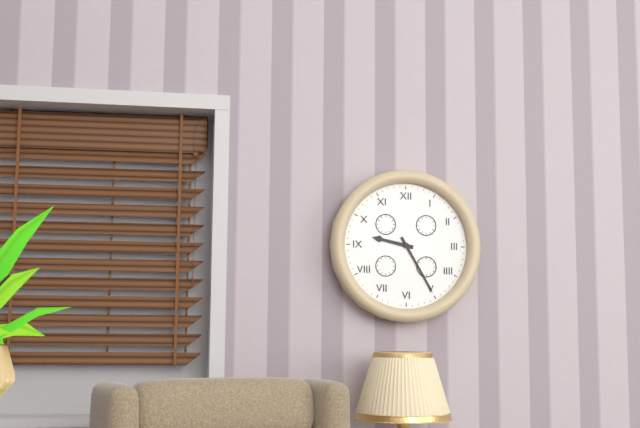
9:25
